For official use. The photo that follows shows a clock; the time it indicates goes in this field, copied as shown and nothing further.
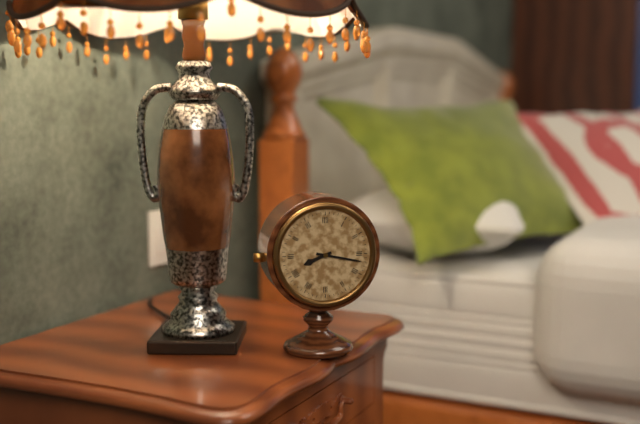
8:17
